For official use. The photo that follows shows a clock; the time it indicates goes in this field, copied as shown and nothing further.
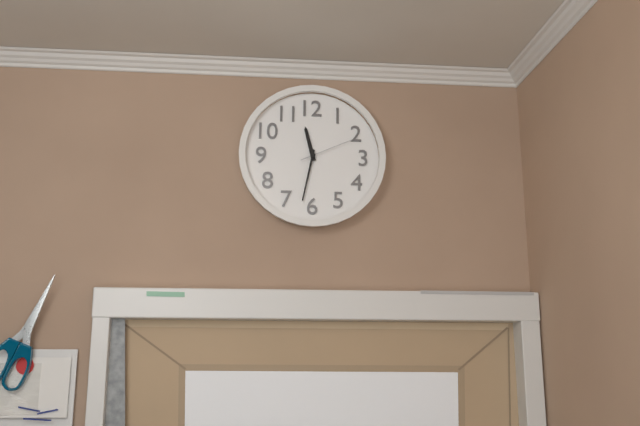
11:32:11
